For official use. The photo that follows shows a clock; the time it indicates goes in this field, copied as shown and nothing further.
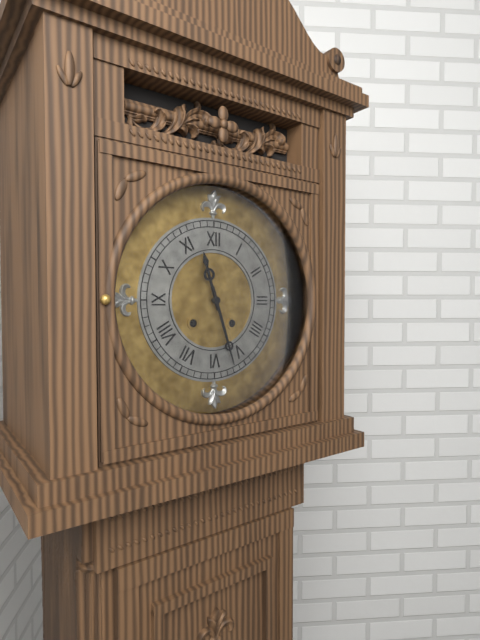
11:27
